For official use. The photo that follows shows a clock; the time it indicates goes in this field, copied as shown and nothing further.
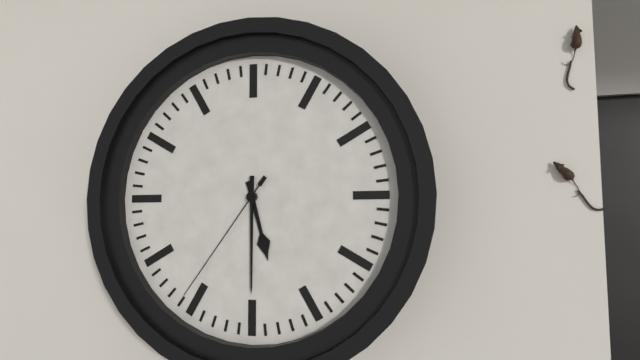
5:30:36
